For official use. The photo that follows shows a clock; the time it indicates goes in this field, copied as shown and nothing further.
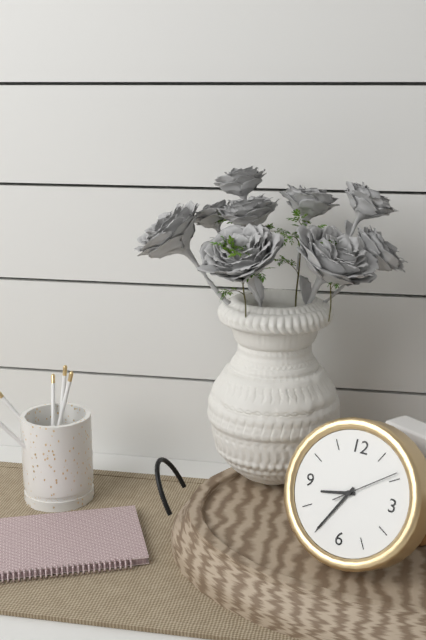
8:35:09
